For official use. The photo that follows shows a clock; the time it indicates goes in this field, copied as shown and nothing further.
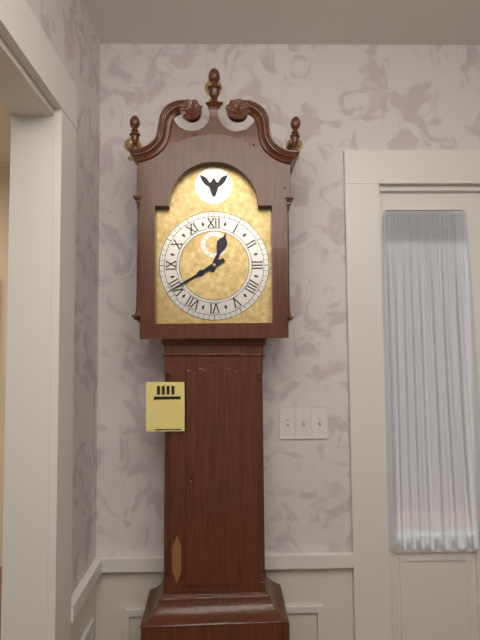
12:40
